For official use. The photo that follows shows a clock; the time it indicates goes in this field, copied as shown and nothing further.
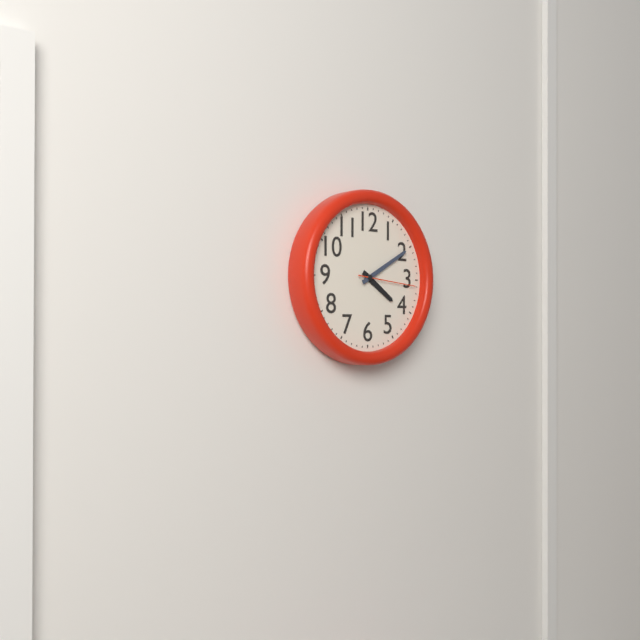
4:10:16
